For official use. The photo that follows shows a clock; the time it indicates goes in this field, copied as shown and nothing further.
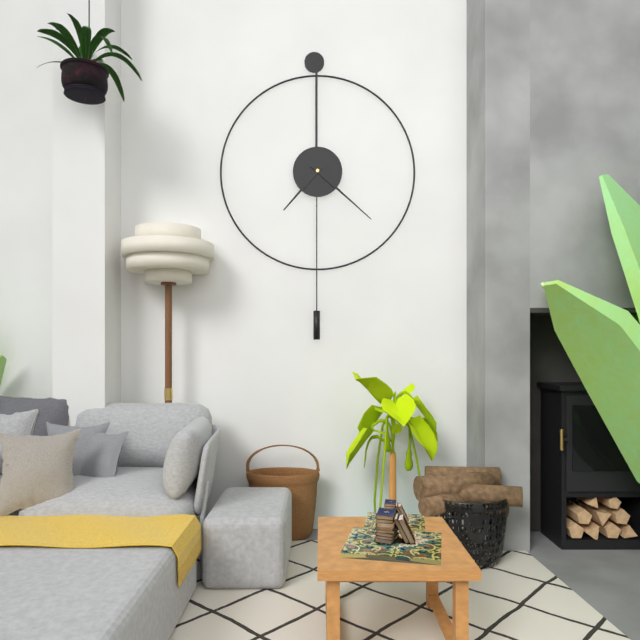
7:22
